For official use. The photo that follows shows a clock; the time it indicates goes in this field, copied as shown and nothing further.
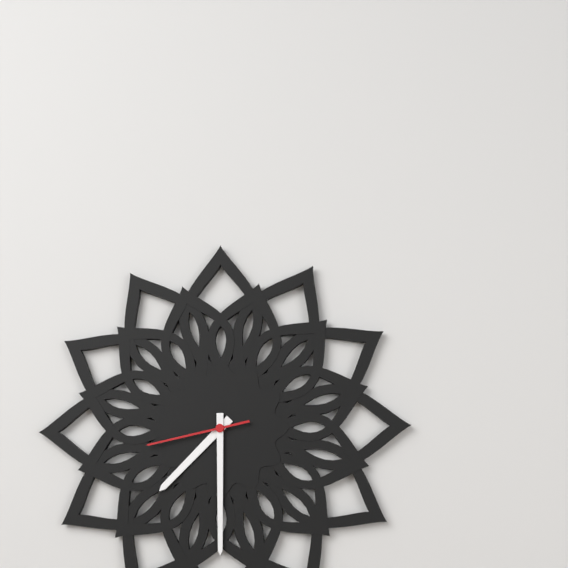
7:30:43
